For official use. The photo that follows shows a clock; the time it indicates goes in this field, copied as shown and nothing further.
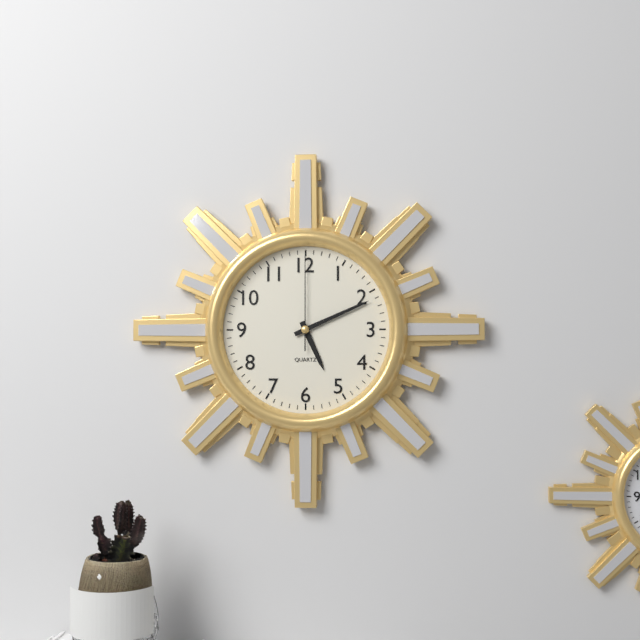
5:11:00
